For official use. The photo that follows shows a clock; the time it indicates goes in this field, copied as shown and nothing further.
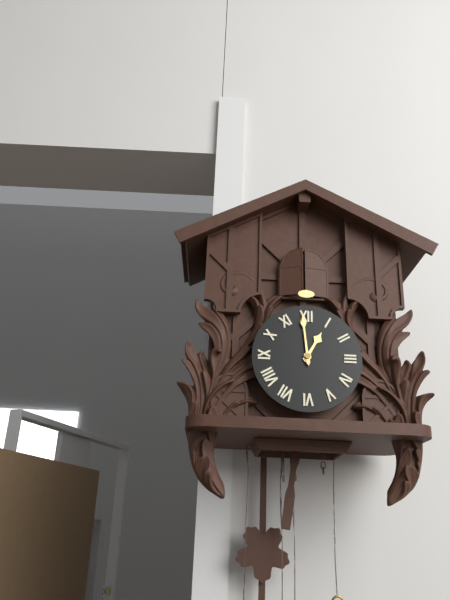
12:59
